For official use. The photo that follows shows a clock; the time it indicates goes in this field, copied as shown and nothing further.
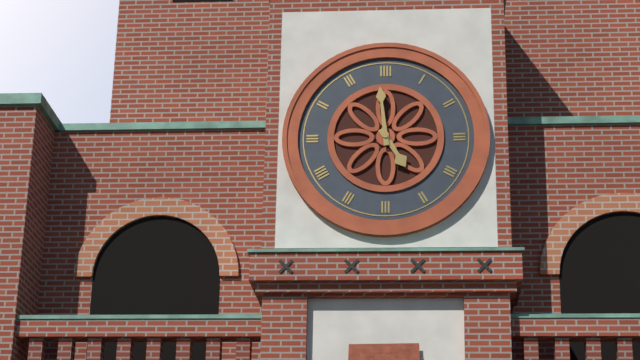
4:59
